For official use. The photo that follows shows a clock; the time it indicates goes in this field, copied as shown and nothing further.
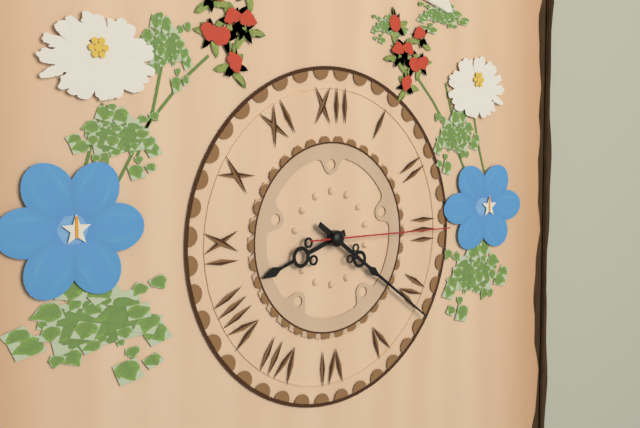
8:21:15
